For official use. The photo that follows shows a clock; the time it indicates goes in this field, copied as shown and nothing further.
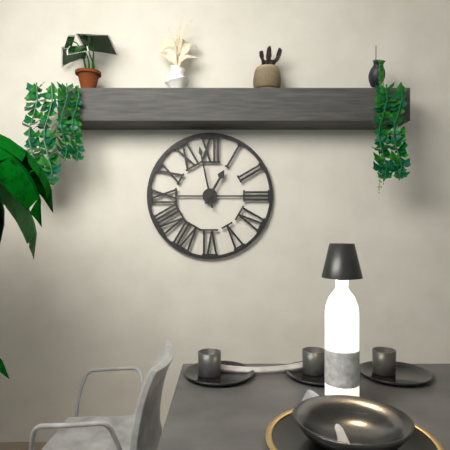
12:58
